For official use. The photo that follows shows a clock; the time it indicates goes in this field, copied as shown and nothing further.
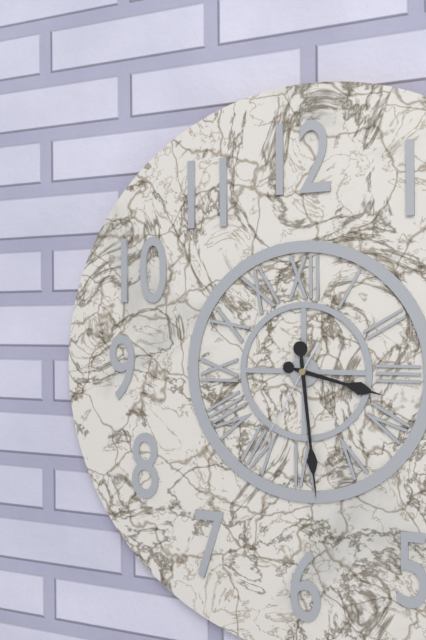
3:29:35
